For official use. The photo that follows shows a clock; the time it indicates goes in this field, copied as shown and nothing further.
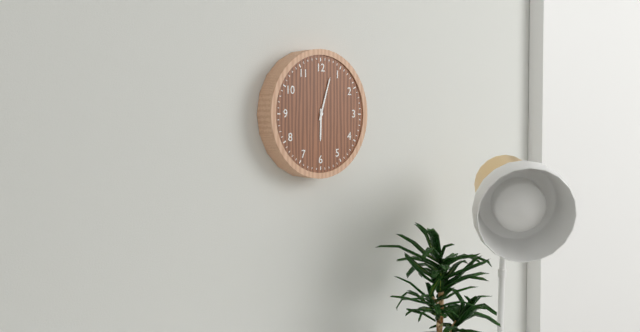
6:03
